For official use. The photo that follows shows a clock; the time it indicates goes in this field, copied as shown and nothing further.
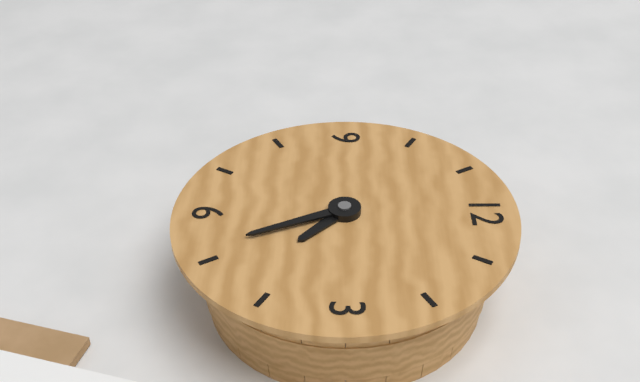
4:26
